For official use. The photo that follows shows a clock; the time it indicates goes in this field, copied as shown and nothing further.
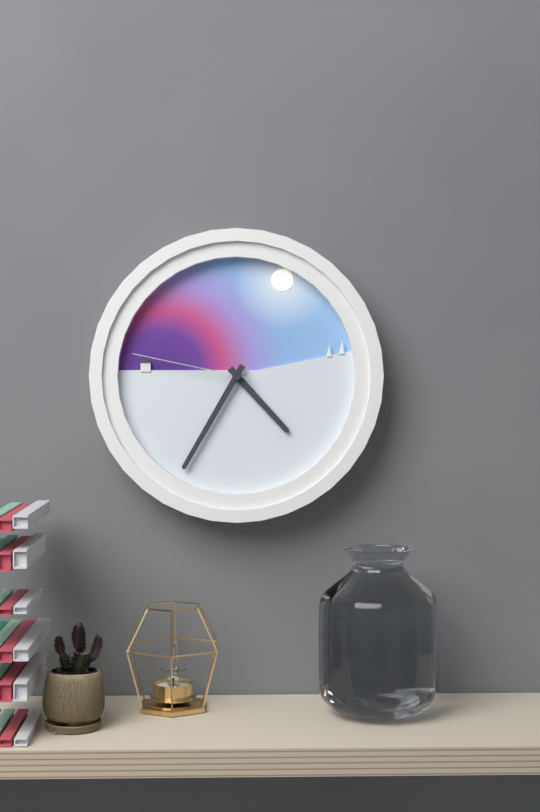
4:35:47
